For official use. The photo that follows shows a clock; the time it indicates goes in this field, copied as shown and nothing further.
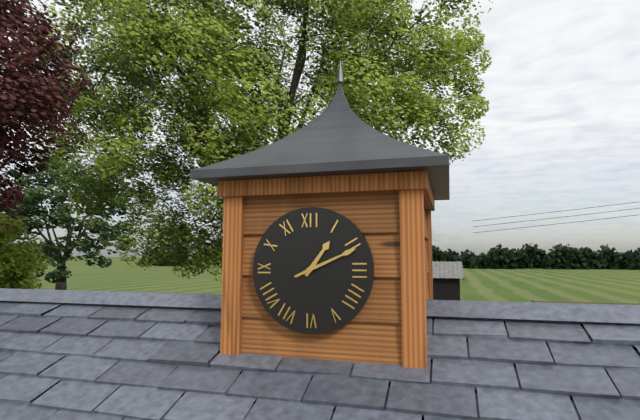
1:11
